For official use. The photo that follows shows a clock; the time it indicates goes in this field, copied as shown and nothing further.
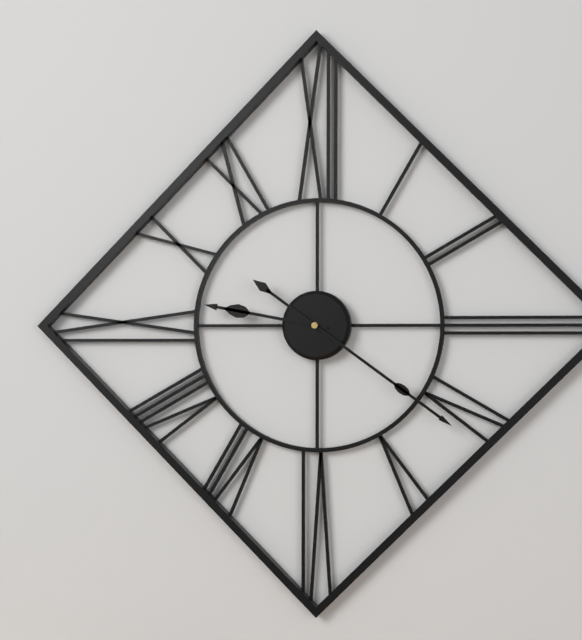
9:21
